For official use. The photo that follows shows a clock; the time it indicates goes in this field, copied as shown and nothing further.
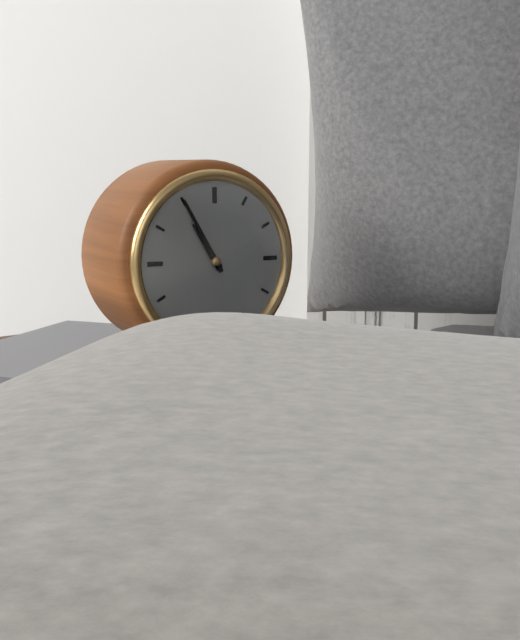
10:55
